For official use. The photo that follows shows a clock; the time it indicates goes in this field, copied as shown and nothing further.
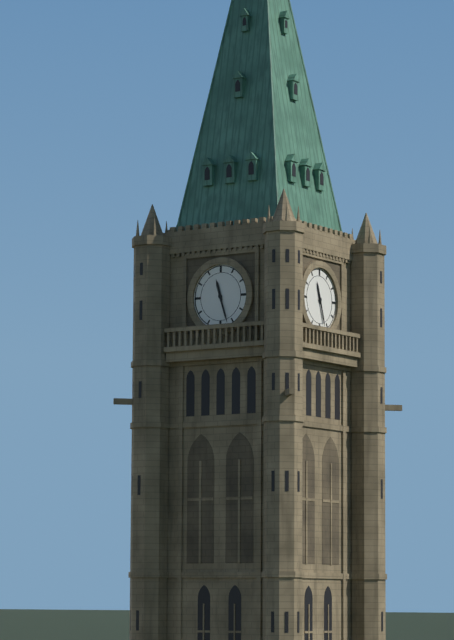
11:27
